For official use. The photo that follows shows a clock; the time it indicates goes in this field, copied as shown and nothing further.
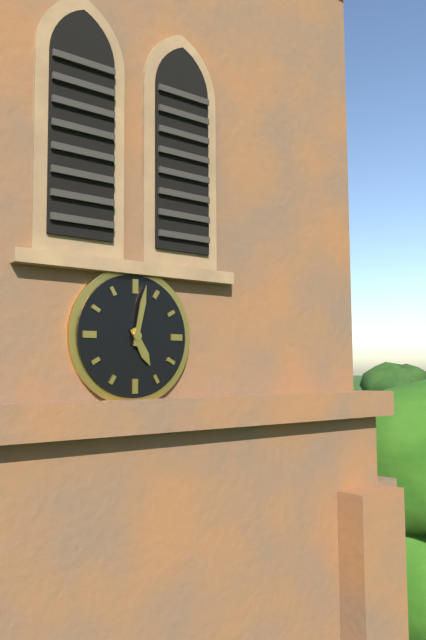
5:02
